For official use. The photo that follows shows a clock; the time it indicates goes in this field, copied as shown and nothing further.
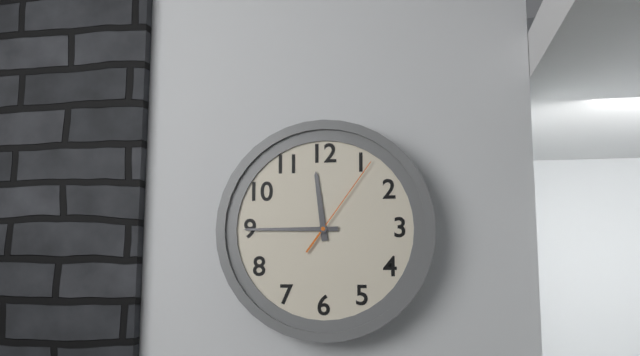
11:45:06
